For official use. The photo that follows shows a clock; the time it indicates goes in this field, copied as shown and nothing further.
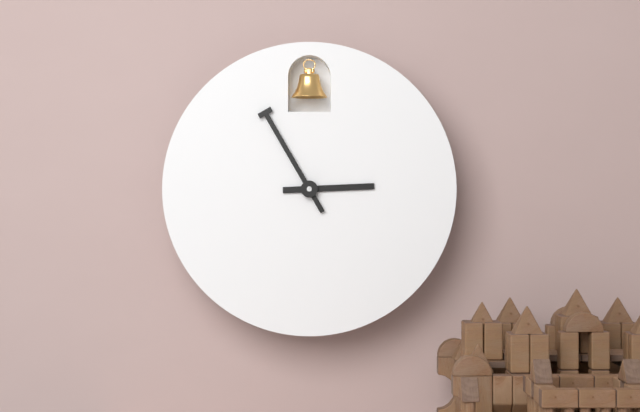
2:55
